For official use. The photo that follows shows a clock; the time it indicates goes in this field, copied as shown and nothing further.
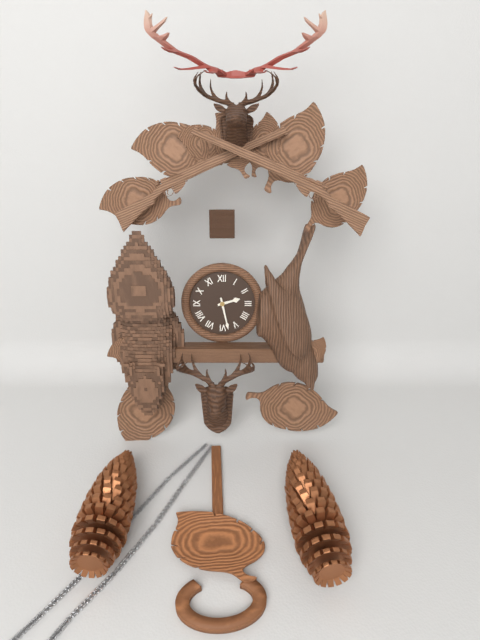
2:28
